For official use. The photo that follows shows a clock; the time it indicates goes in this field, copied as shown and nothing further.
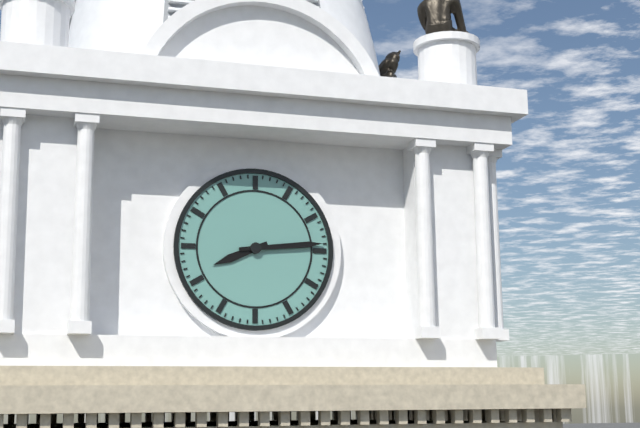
8:14
